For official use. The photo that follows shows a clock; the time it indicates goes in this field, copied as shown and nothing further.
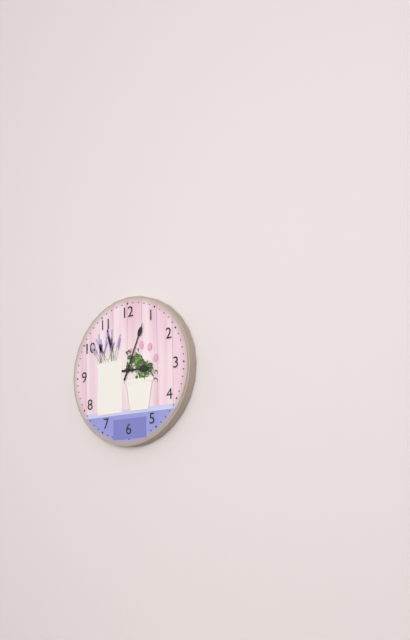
3:04
